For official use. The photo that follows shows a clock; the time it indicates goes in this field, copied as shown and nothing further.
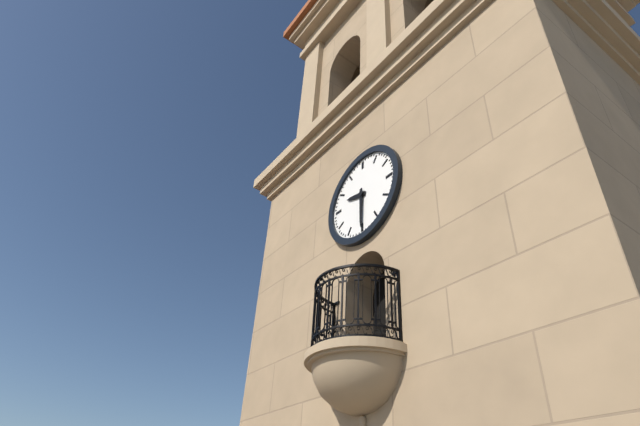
9:30
